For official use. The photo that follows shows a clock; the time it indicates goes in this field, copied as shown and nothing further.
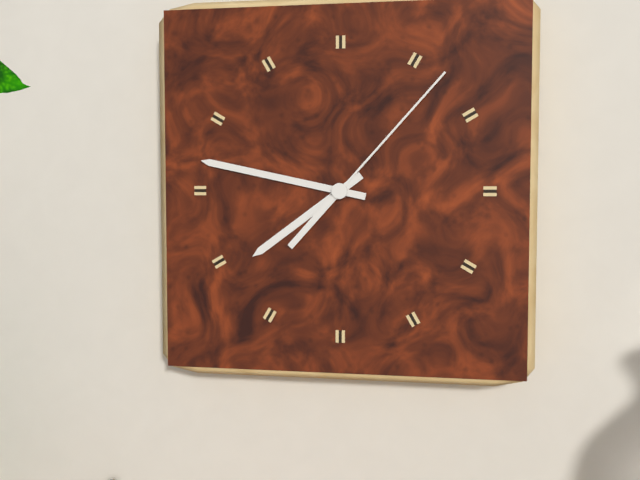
7:47:07
